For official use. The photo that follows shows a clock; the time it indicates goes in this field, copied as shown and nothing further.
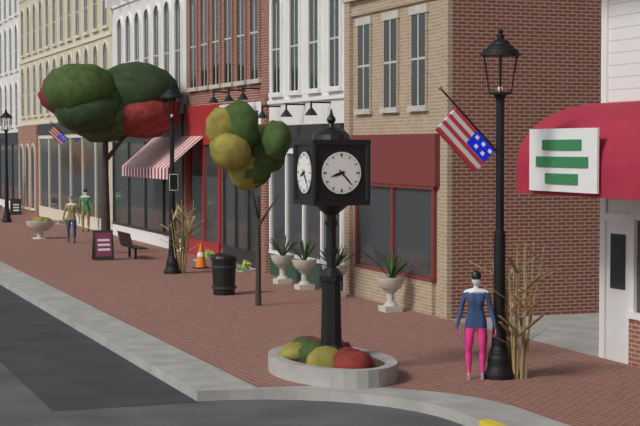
8:23
